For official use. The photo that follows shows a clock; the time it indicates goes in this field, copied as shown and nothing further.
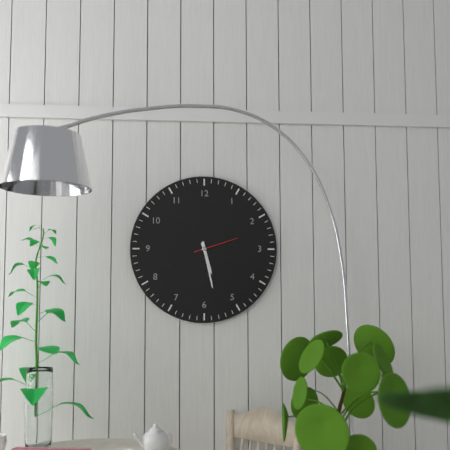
5:28
